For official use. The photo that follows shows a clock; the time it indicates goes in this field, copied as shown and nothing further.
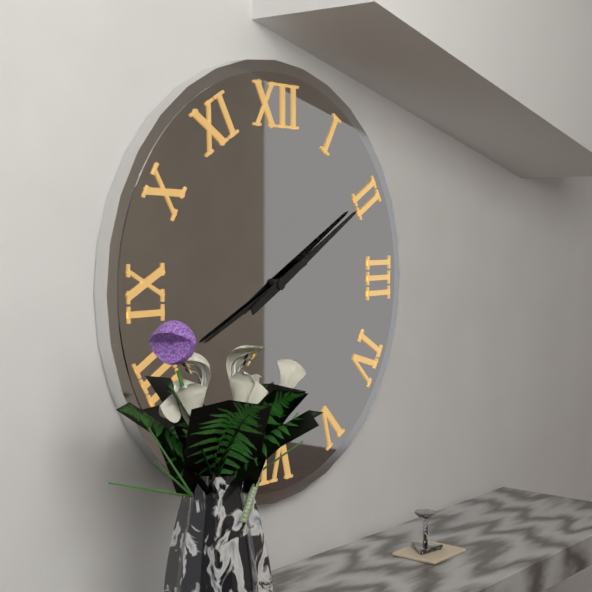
8:10
